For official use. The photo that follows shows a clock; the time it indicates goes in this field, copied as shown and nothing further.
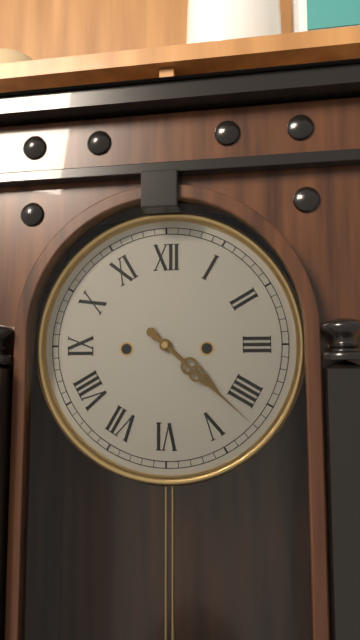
4:22
